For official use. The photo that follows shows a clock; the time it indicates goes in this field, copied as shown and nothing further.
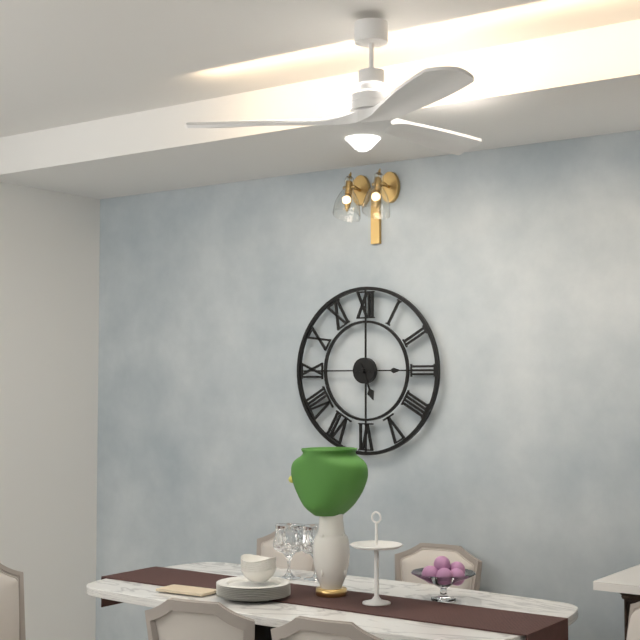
5:15
